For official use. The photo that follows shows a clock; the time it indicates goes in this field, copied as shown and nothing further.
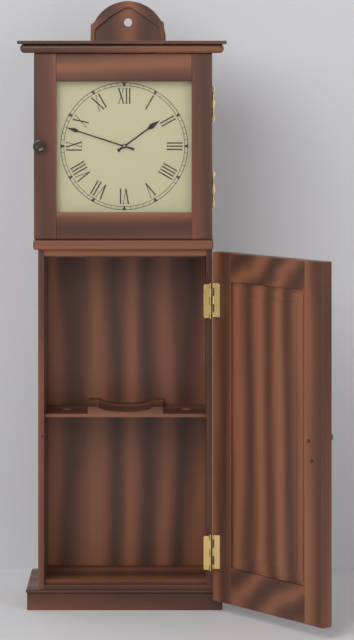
1:48
